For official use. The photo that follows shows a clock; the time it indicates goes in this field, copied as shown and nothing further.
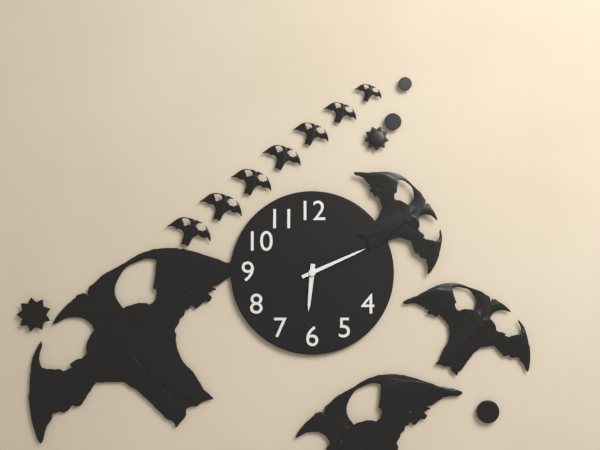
6:11
